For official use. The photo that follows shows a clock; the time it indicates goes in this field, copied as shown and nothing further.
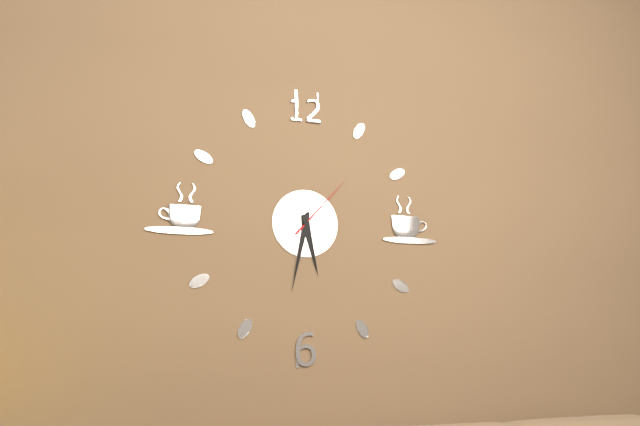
5:32:07
